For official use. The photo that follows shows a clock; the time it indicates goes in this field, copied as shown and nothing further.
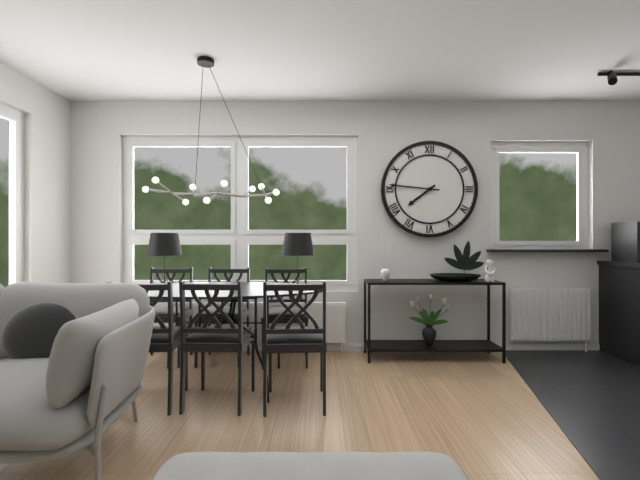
7:46
